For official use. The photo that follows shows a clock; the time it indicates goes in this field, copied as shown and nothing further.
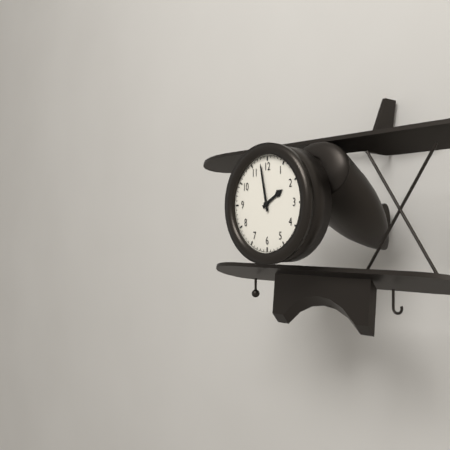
1:58
